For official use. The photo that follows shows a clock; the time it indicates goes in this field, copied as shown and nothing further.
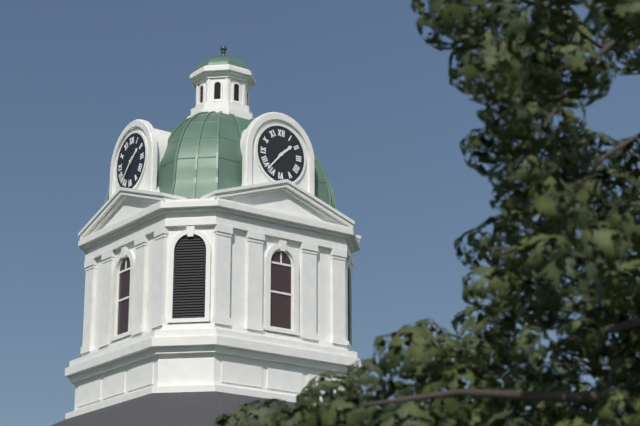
1:37
